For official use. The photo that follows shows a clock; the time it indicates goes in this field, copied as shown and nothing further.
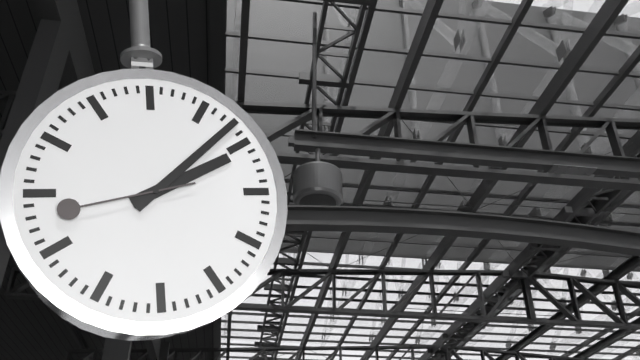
2:08:43
